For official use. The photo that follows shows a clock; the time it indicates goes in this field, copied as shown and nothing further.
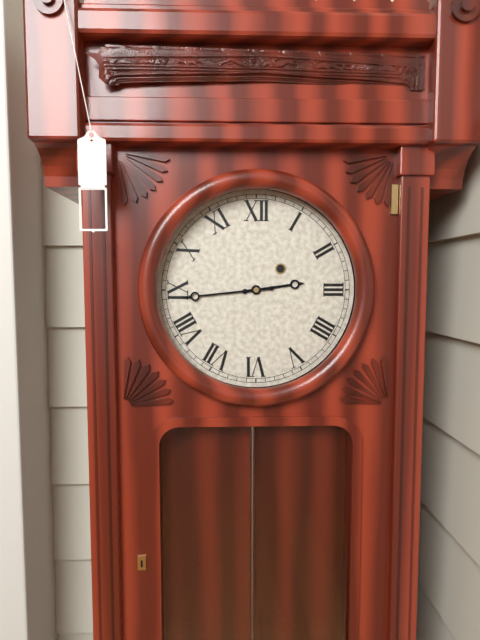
2:44
